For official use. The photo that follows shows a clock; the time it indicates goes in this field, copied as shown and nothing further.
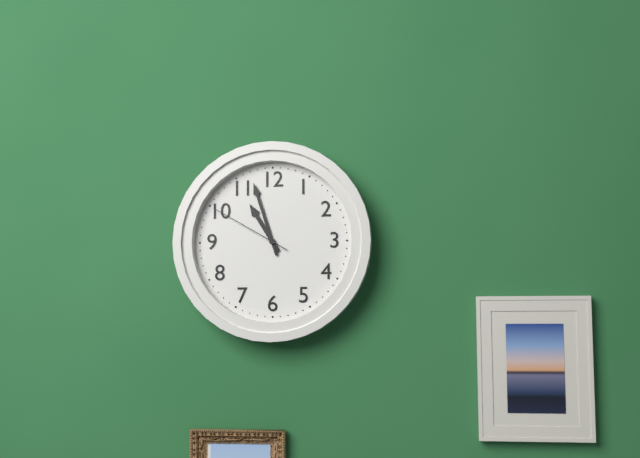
10:57:50
